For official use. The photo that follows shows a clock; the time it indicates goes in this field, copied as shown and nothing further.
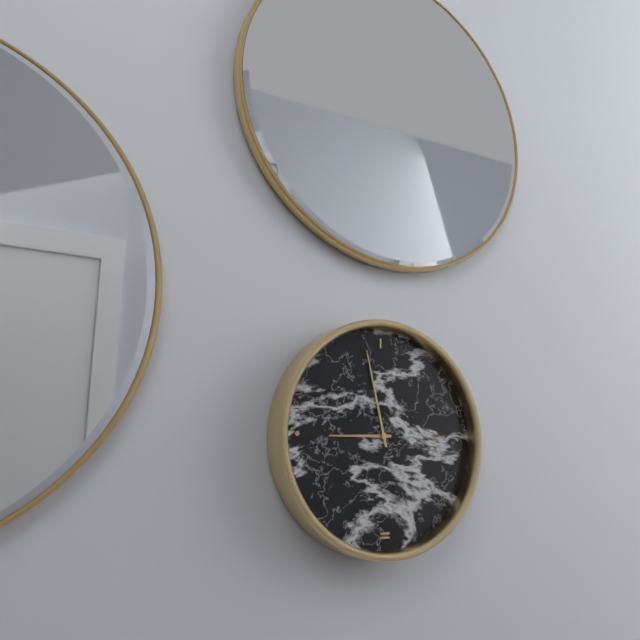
8:58
